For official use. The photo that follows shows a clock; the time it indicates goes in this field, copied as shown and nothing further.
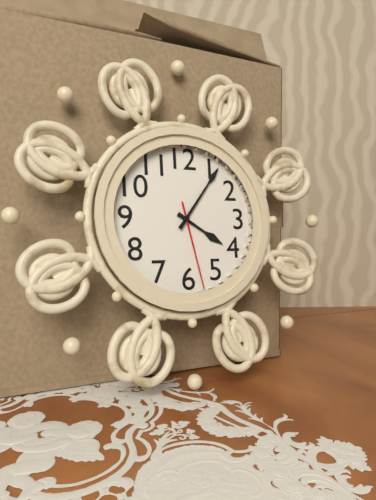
4:06:28
